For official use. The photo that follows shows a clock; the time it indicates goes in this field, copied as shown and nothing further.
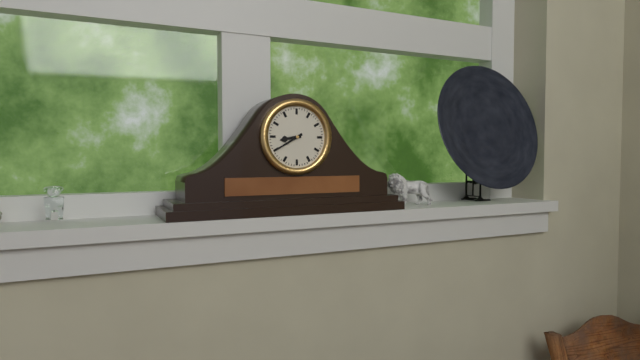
8:40
